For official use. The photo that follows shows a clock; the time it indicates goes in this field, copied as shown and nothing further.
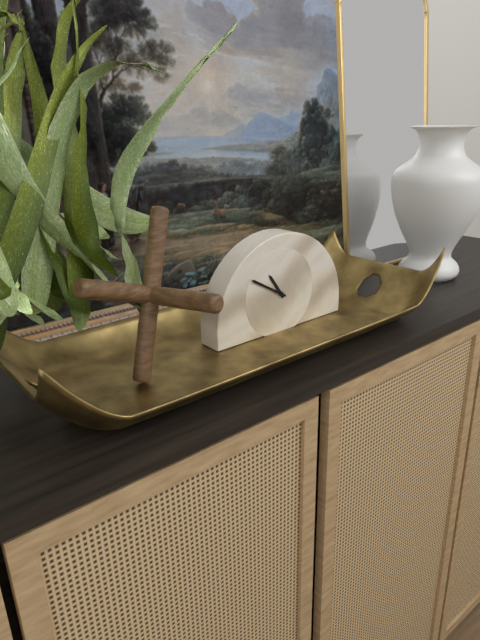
10:50
